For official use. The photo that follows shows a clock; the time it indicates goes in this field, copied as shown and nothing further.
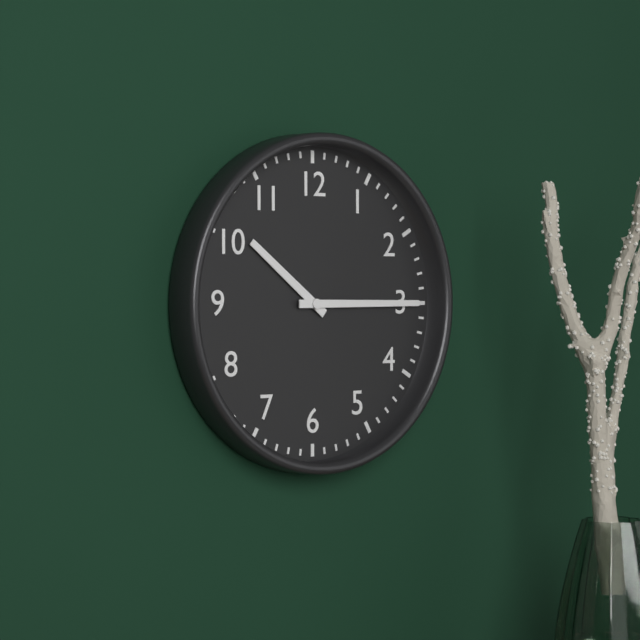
10:15
